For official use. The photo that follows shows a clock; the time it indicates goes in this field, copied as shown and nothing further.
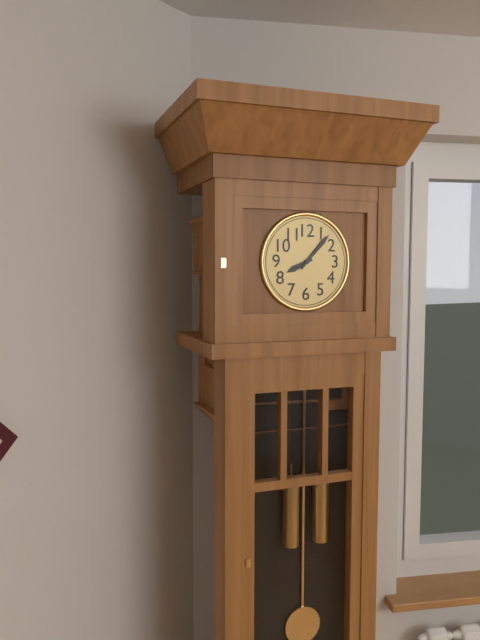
8:07
